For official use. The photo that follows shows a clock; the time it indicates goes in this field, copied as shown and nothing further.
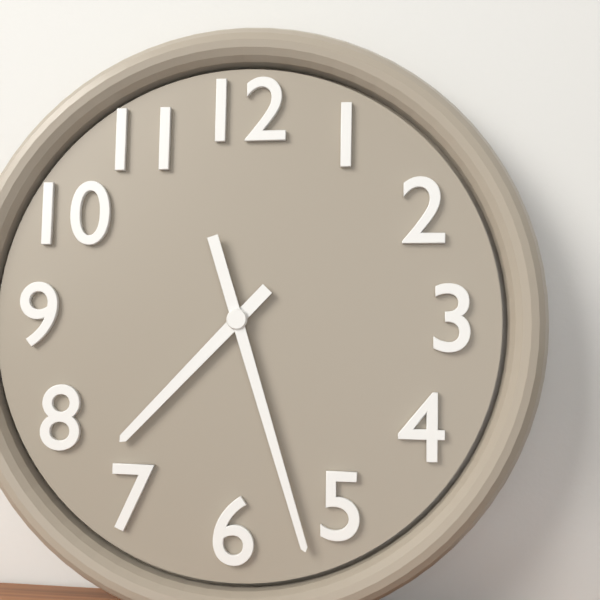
7:27
